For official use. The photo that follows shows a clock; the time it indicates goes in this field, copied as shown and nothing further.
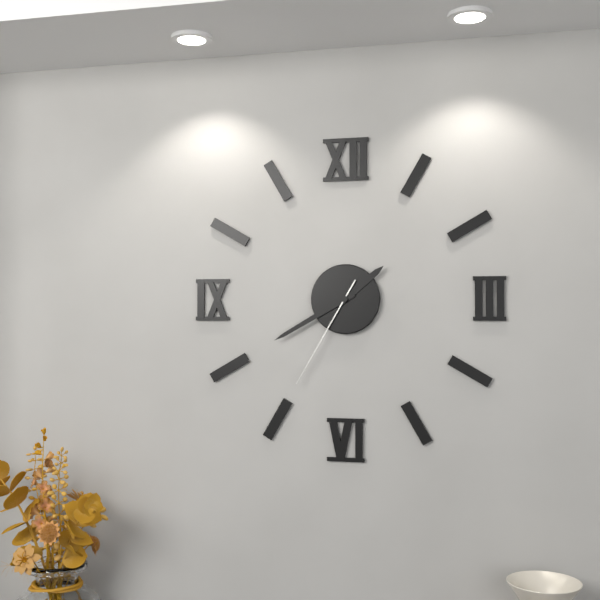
1:40:35
